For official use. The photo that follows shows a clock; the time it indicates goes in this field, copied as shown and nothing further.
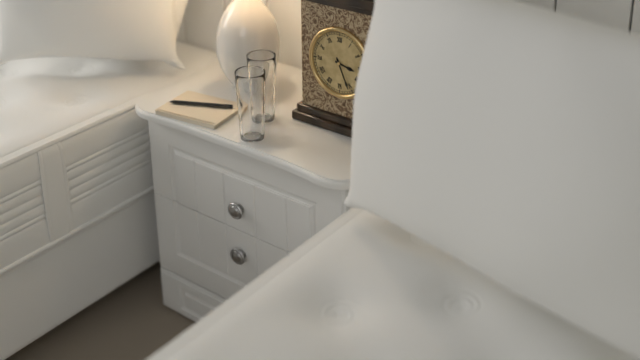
3:26
